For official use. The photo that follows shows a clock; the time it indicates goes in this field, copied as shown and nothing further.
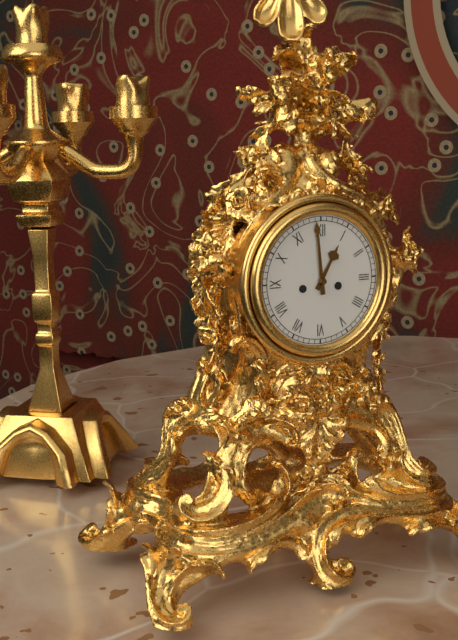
12:59
